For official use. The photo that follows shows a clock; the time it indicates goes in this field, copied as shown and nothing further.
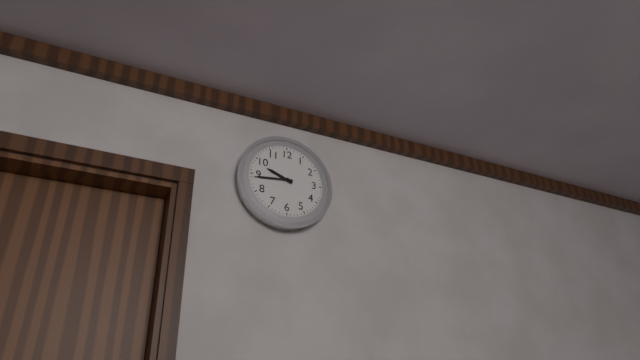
9:44
